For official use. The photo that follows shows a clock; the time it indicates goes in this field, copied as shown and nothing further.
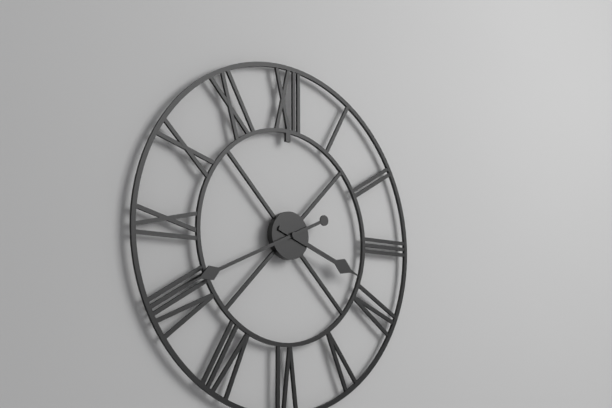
3:41
